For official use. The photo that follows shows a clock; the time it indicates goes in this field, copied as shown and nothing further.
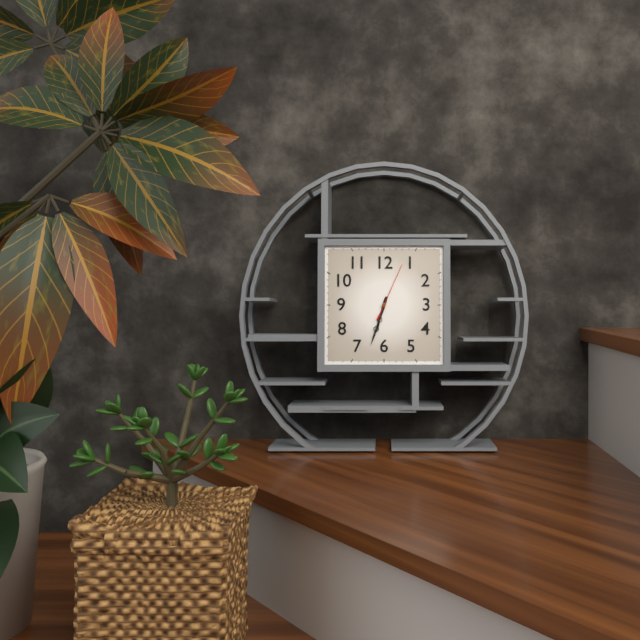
6:33:04
